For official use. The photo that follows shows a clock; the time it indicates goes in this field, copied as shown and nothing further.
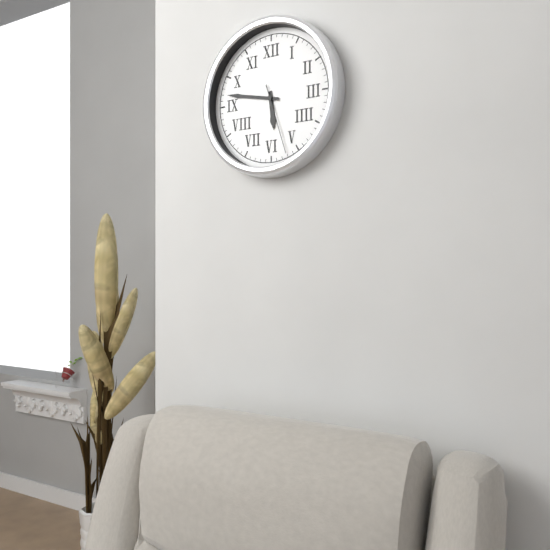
5:47:27
